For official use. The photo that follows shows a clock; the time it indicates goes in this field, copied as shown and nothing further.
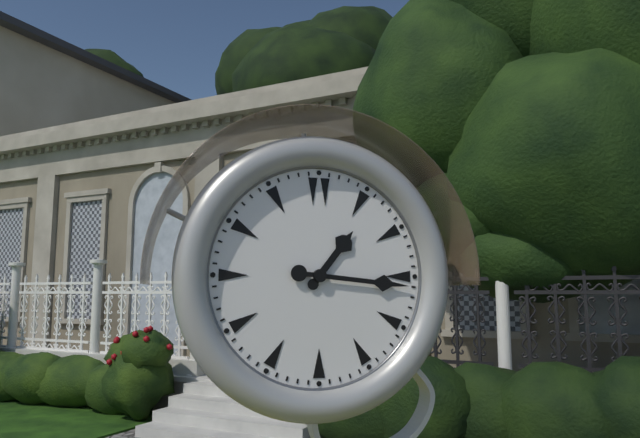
1:16
